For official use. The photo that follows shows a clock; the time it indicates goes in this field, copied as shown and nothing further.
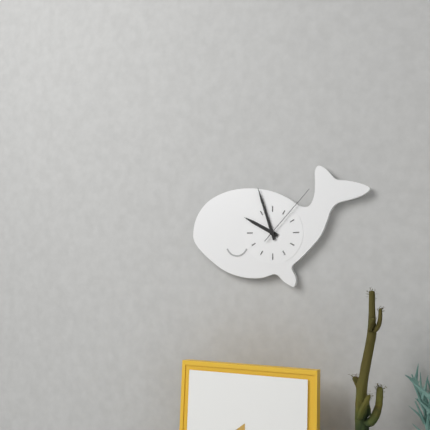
9:57:07
